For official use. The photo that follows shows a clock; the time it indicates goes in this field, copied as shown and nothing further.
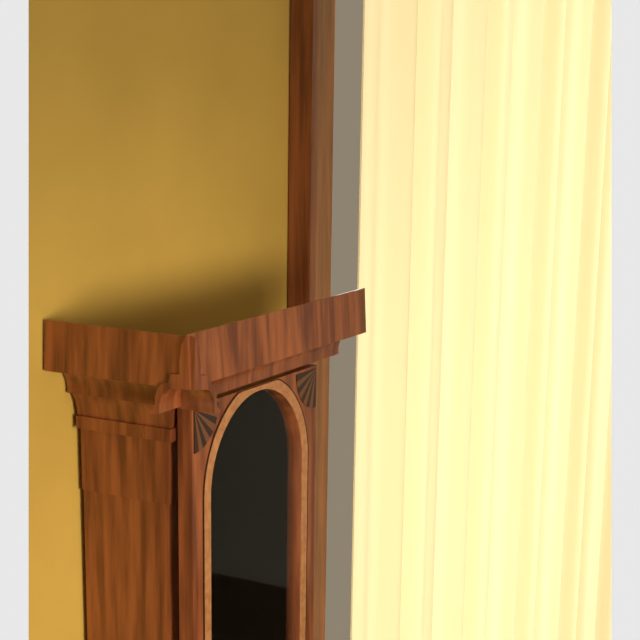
9:40
